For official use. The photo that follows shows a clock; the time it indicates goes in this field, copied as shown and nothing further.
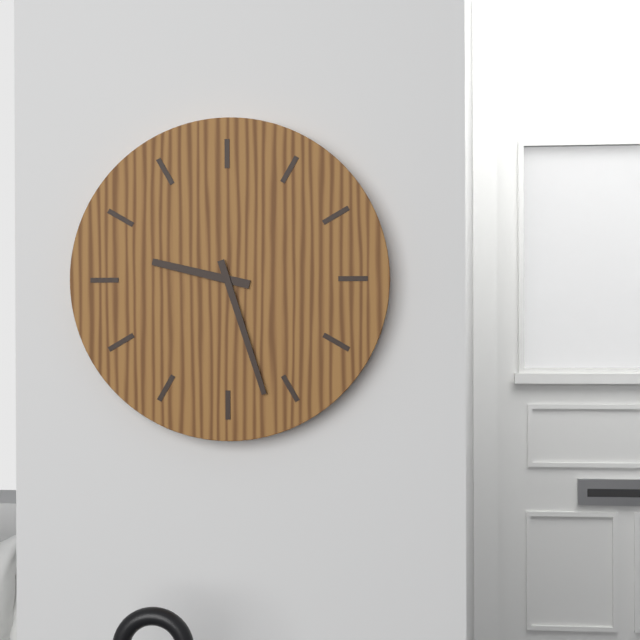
9:27
